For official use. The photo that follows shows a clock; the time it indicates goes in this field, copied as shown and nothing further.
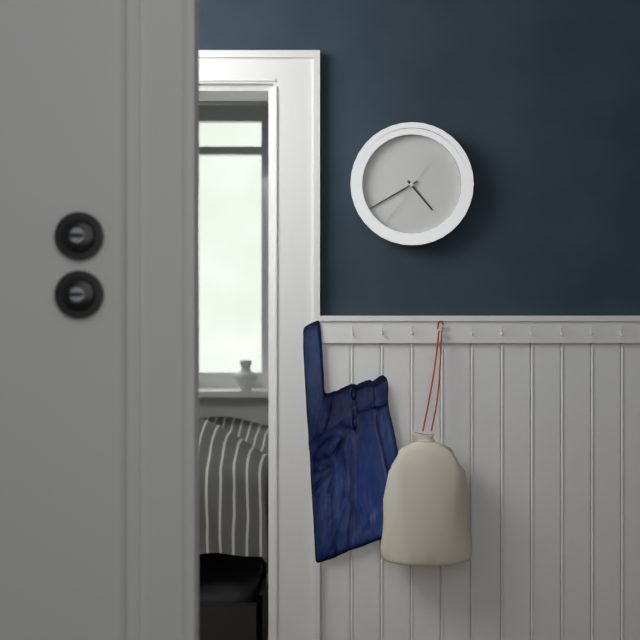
4:40:36
